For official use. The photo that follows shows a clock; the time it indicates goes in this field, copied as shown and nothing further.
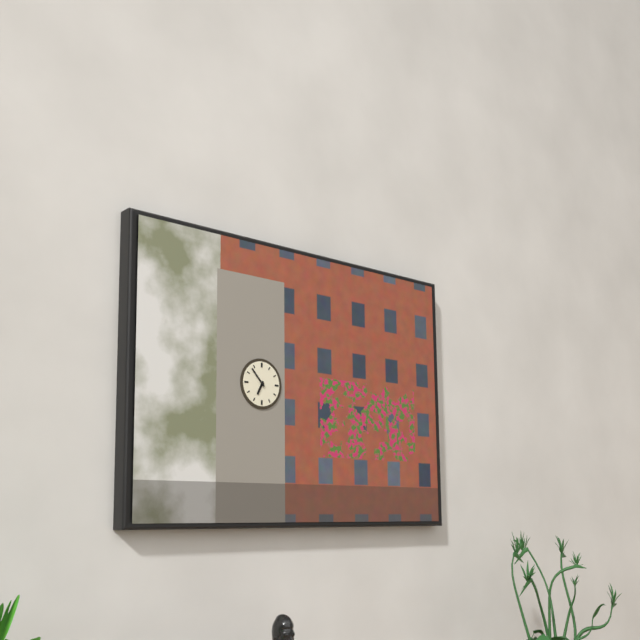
6:53
